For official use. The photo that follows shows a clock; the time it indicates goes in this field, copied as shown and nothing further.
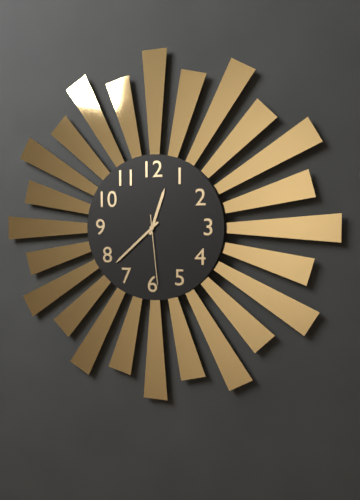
12:38:29
